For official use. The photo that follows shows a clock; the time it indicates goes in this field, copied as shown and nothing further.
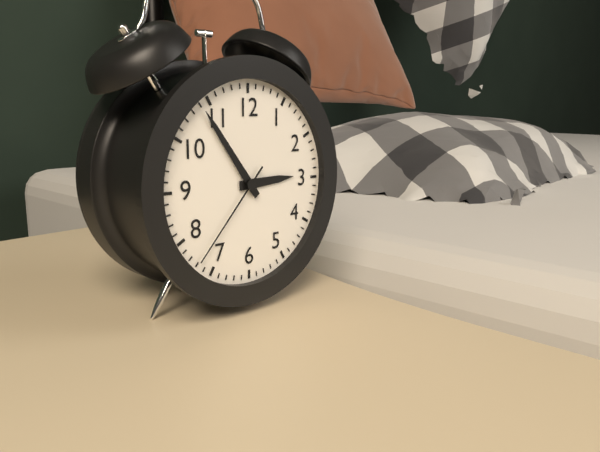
2:54:37
